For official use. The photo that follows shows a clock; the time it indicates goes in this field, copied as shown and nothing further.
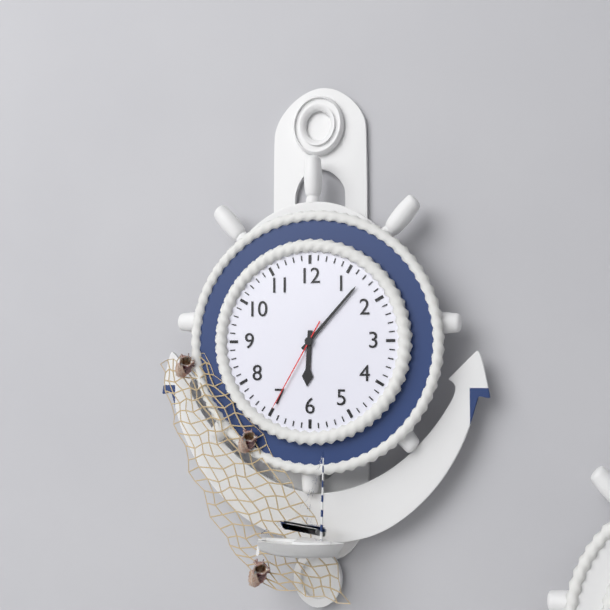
6:07:35
